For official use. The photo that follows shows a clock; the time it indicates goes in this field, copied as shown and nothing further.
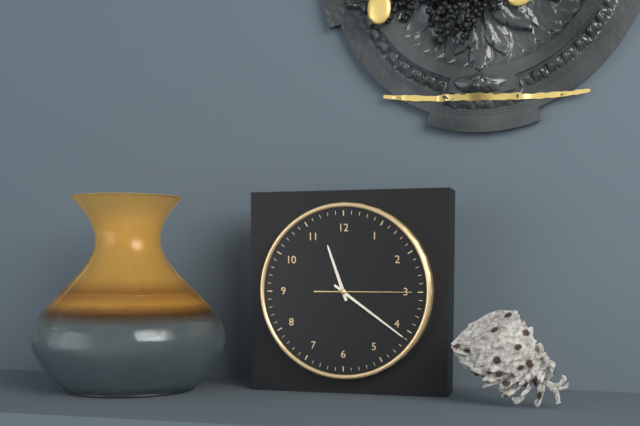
11:21:15
